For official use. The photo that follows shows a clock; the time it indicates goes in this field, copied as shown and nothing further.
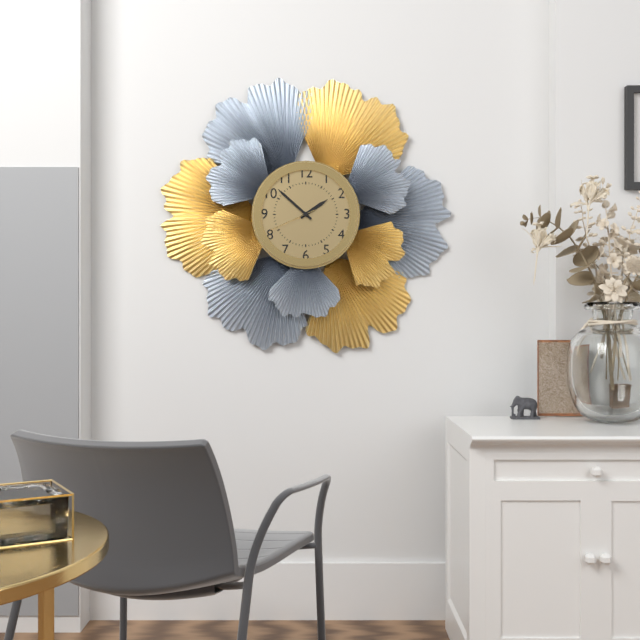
1:52
